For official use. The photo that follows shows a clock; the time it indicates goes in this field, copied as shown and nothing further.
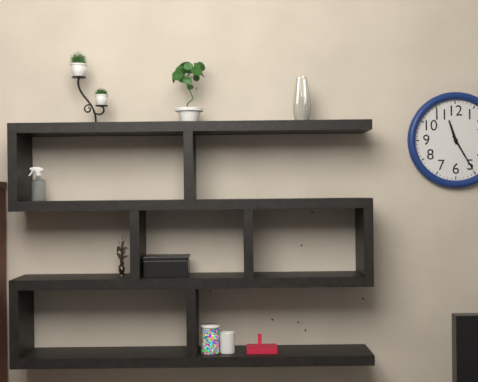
11:25
